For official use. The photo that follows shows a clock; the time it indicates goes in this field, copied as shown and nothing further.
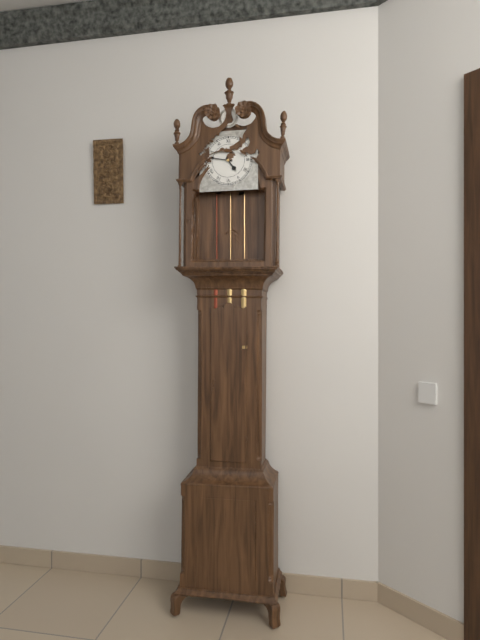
4:47
